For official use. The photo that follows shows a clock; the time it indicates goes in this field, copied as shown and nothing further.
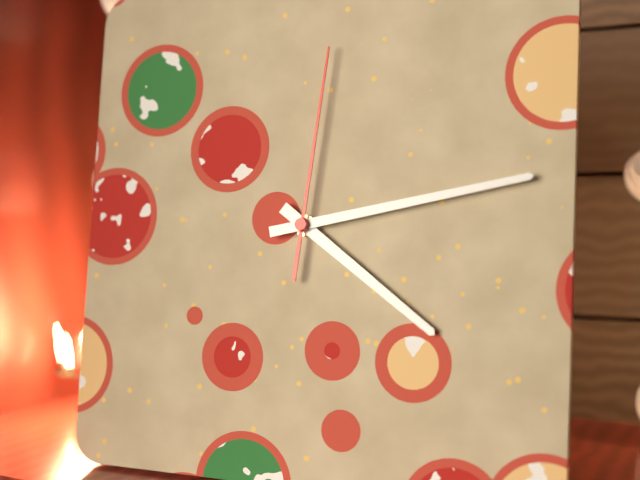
4:13:01
